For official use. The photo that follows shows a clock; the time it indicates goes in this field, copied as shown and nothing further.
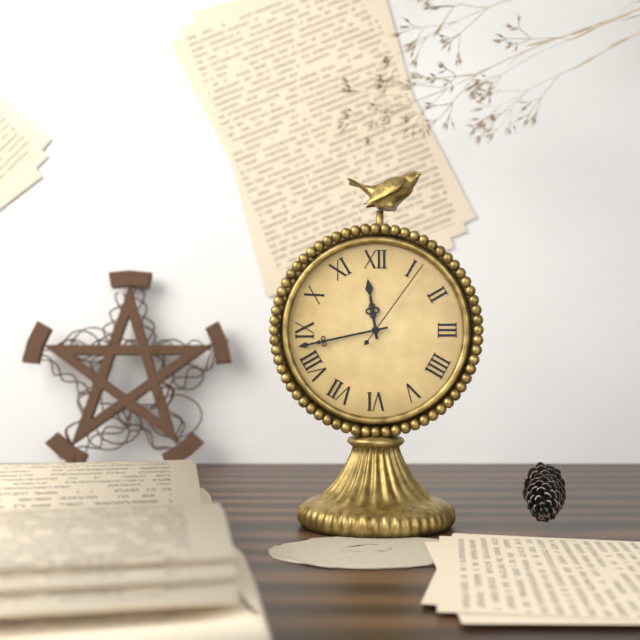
11:43:06
